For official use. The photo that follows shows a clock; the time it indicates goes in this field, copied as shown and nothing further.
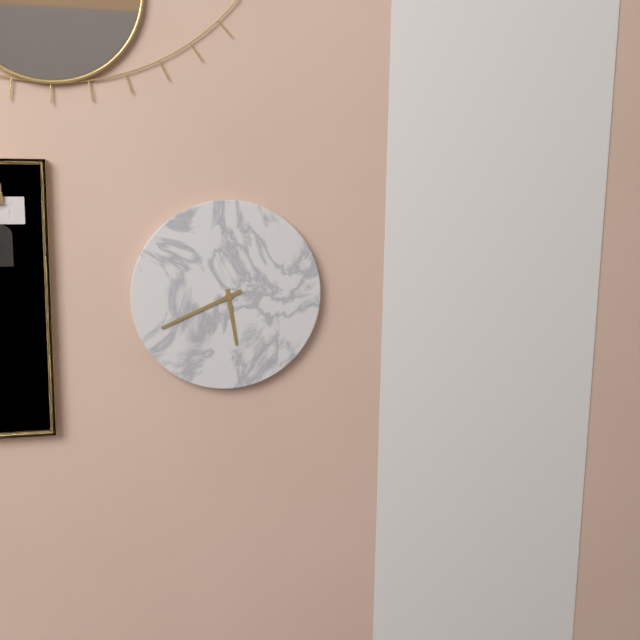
5:41
